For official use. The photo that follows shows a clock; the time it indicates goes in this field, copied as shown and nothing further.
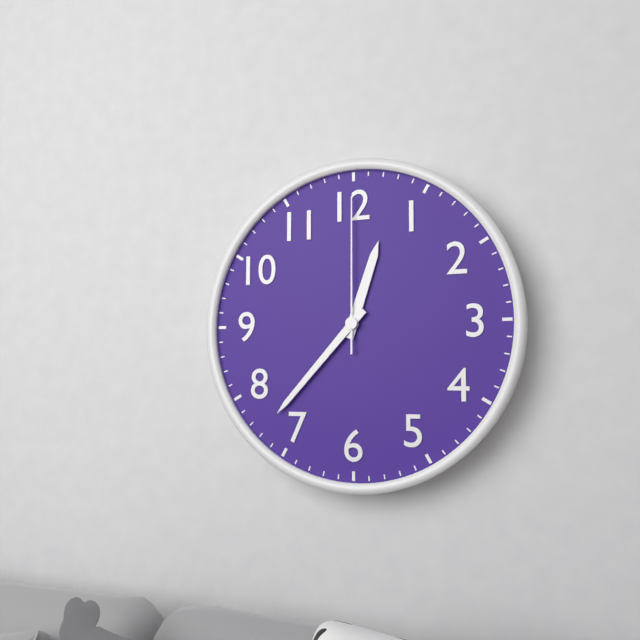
12:37:00
